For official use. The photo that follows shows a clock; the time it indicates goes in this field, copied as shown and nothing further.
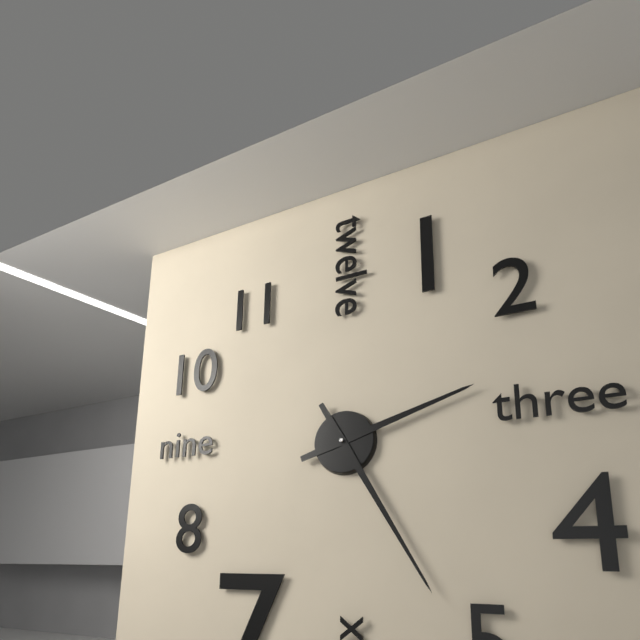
2:25
